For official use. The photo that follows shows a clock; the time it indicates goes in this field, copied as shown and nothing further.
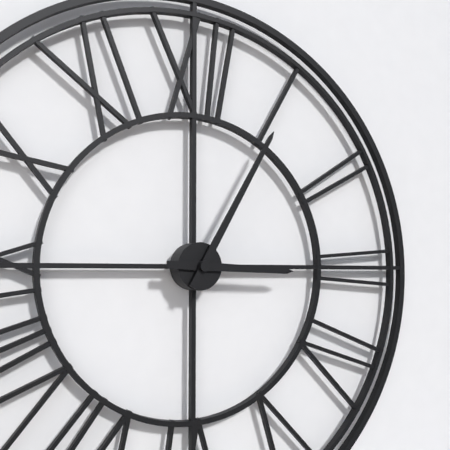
3:05
